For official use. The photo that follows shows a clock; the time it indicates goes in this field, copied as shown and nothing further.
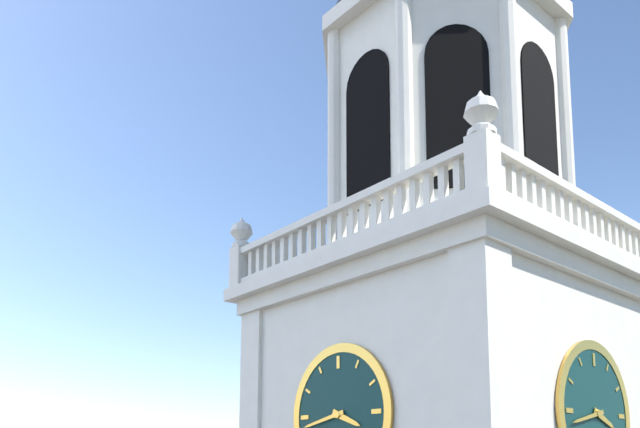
3:43
